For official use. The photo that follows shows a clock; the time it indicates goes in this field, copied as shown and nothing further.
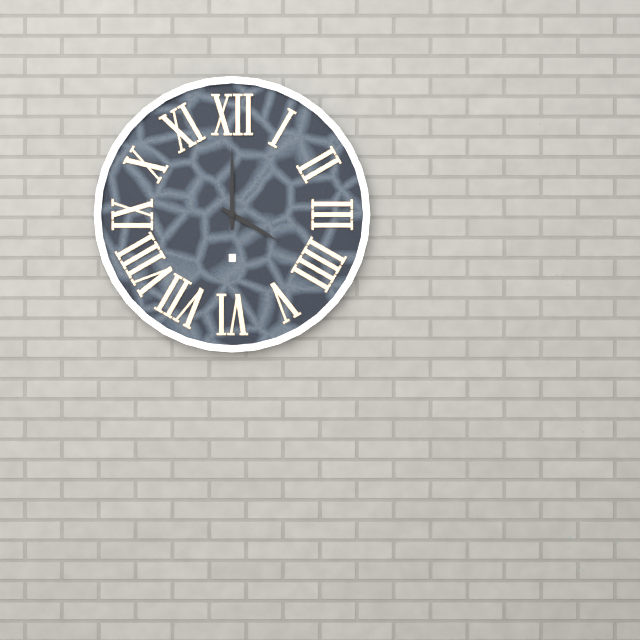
4:00
